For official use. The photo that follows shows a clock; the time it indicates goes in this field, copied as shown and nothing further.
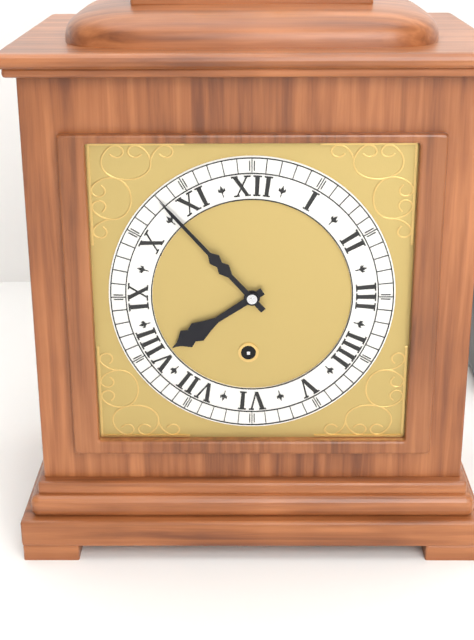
7:53
